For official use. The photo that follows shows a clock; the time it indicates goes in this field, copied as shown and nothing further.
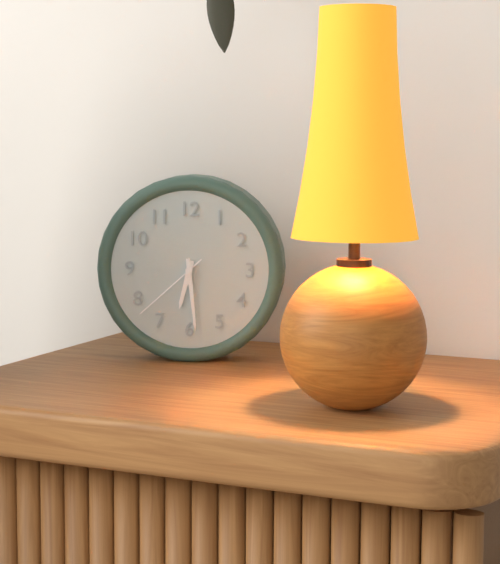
6:29:38
